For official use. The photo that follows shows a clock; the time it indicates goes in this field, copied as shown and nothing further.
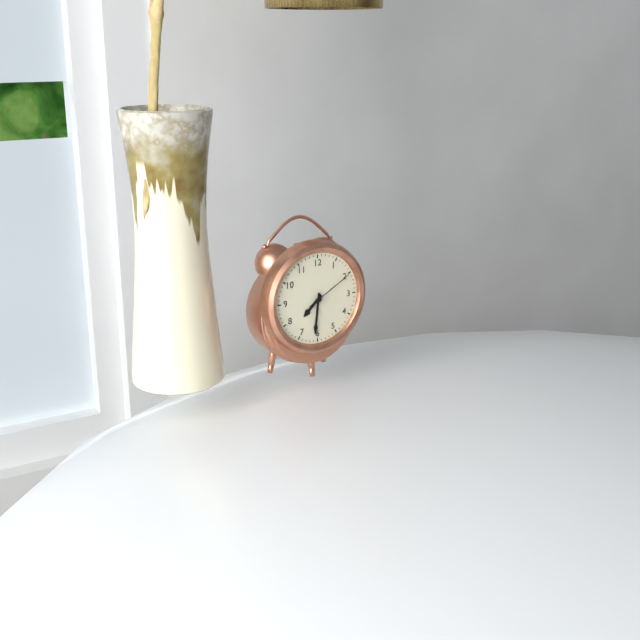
7:31
